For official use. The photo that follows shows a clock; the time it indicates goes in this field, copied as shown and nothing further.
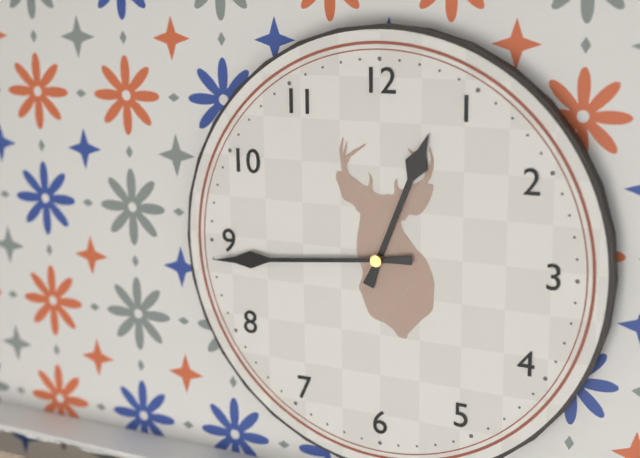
12:44
